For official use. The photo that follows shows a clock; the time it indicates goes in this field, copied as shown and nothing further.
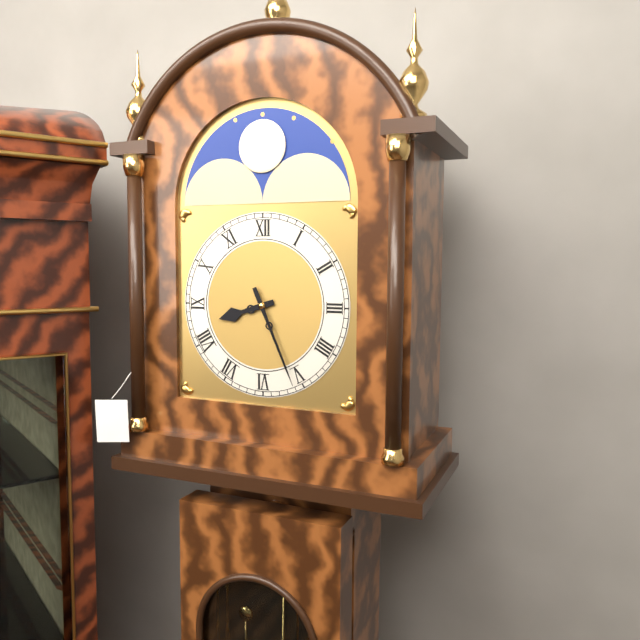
8:26
